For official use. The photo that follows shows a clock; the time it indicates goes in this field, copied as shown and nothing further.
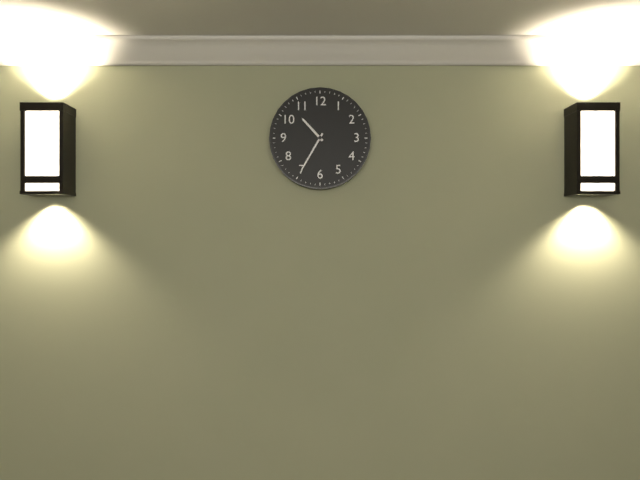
10:35
